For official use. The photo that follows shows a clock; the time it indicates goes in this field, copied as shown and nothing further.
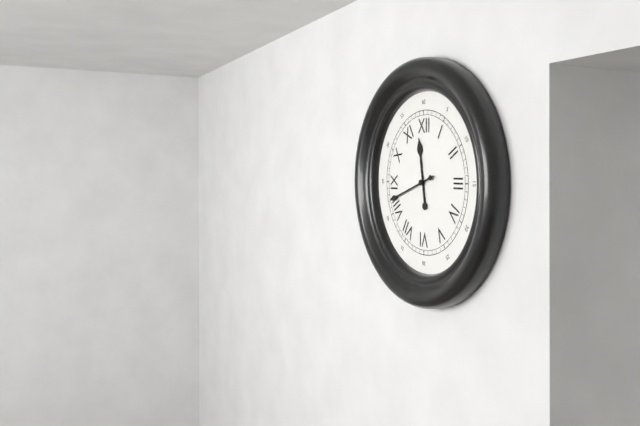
11:42
